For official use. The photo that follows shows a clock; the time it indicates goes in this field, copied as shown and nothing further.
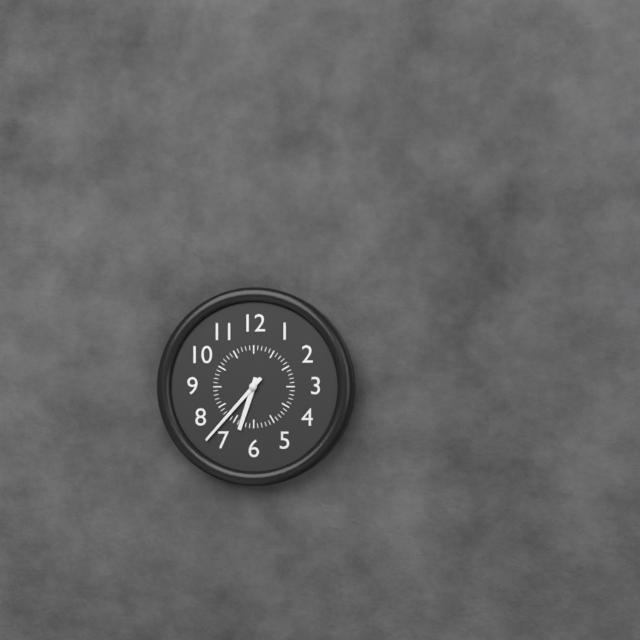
6:37
